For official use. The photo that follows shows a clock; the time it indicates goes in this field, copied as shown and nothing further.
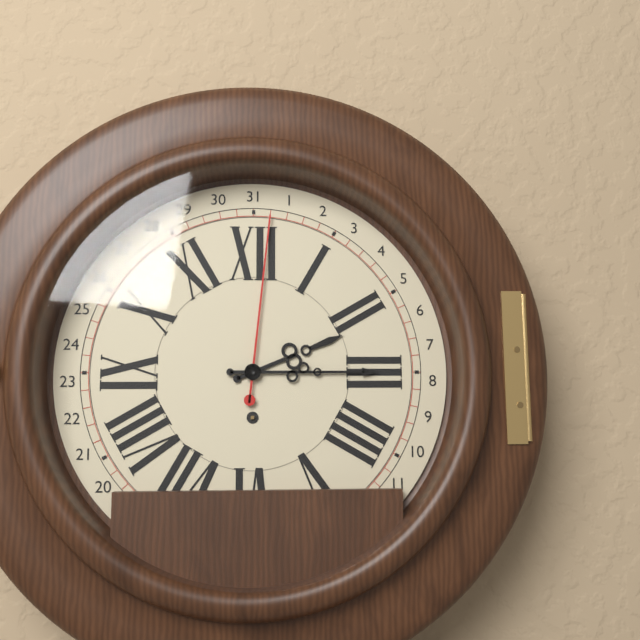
2:15:01
